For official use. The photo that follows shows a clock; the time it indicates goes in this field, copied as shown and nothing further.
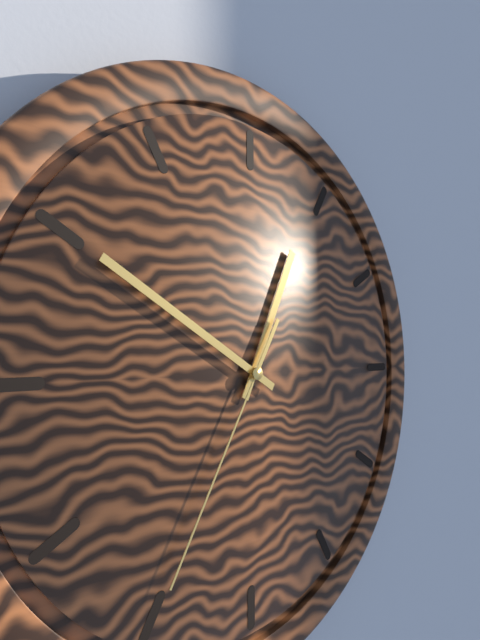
12:50:35
